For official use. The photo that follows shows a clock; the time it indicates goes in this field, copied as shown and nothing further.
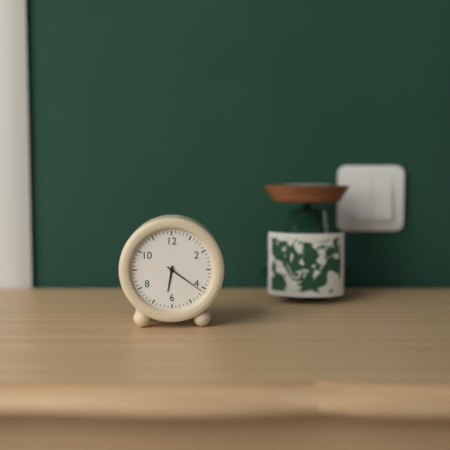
6:21
